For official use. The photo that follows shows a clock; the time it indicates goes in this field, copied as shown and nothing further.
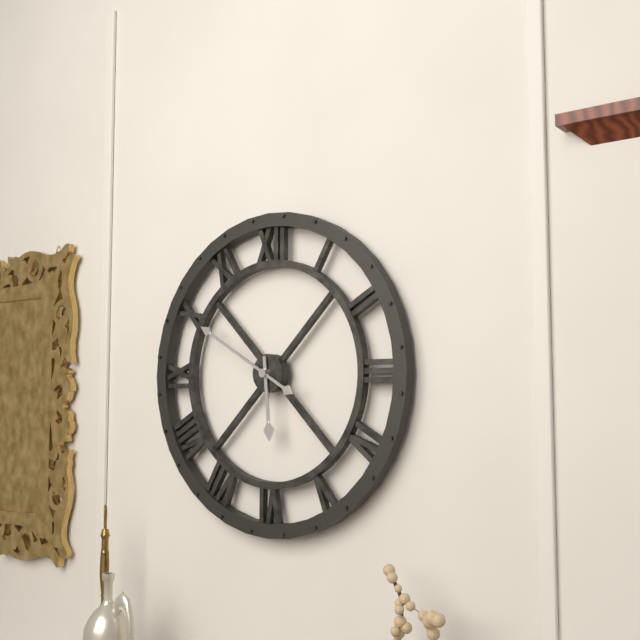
5:50
